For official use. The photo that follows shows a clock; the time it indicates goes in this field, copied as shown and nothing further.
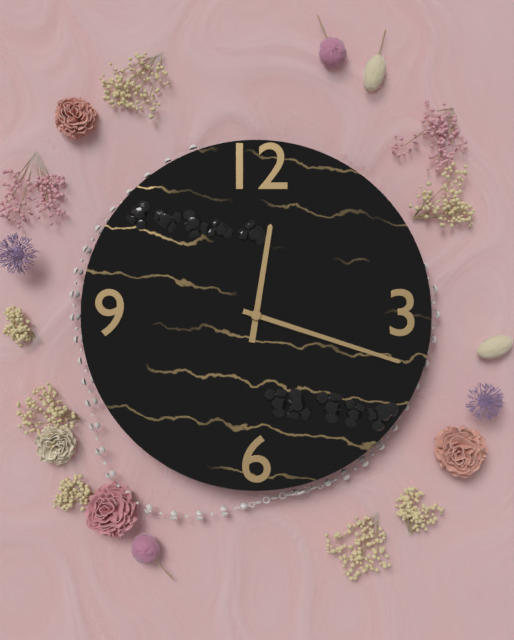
12:18
